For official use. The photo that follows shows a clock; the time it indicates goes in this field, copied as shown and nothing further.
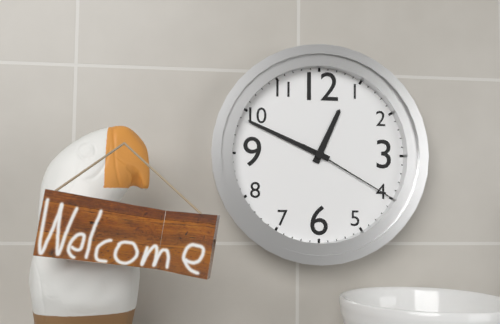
12:49:20
